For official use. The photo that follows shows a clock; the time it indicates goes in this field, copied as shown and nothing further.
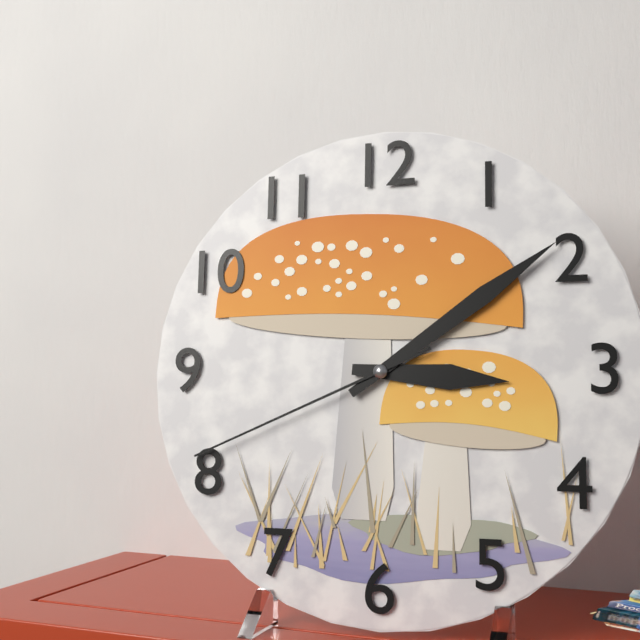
3:09:41
